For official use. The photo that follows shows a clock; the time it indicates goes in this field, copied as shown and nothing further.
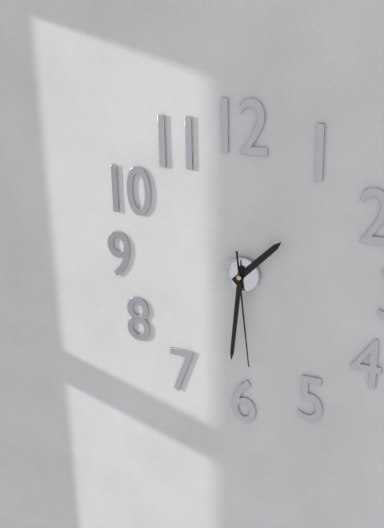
1:31:29
